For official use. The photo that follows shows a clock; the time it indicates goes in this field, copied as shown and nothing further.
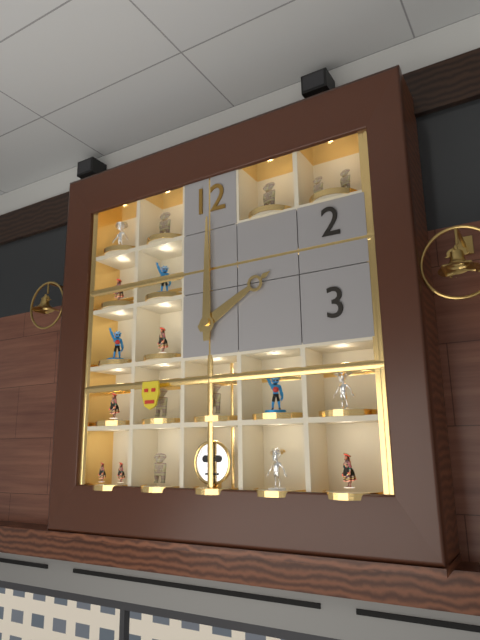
2:00
